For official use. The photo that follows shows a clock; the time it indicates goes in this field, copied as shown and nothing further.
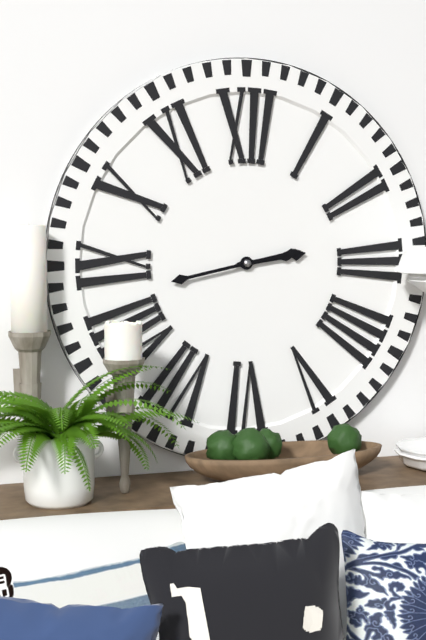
2:43
